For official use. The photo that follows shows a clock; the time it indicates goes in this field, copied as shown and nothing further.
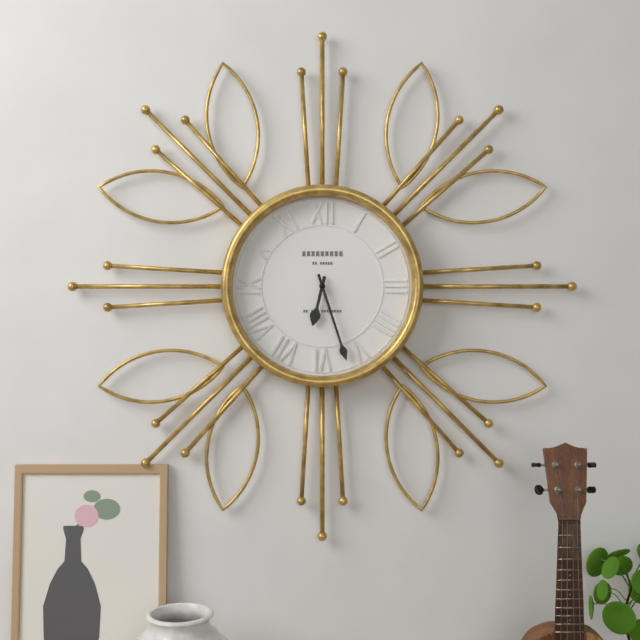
6:27
